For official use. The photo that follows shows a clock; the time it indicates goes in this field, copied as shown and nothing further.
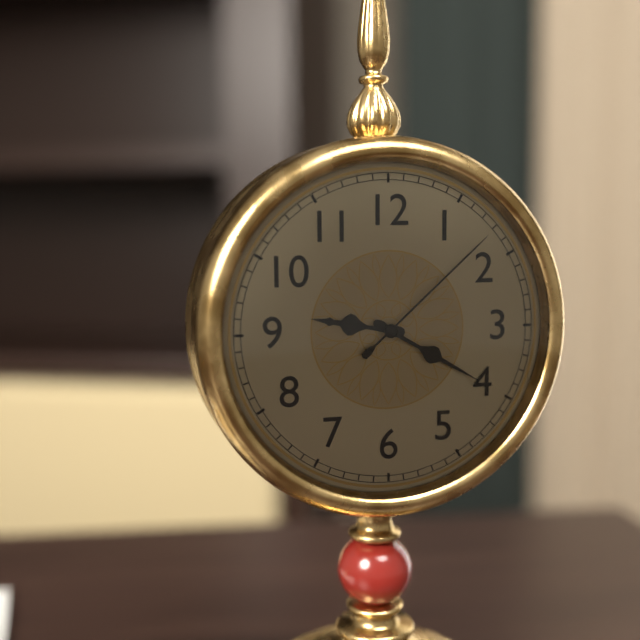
9:20:08
